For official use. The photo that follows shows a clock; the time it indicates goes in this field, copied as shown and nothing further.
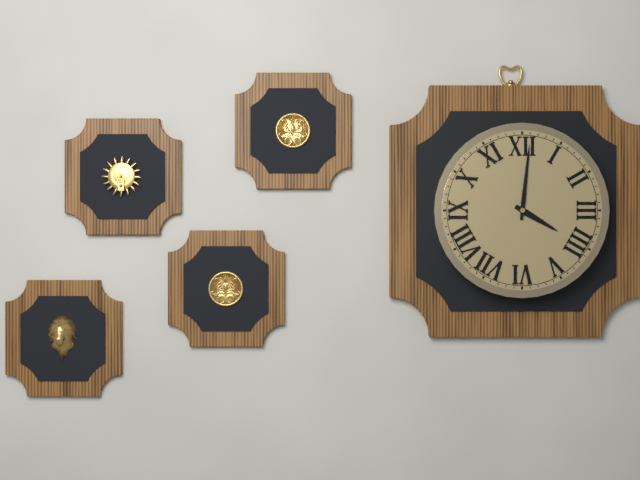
4:01
